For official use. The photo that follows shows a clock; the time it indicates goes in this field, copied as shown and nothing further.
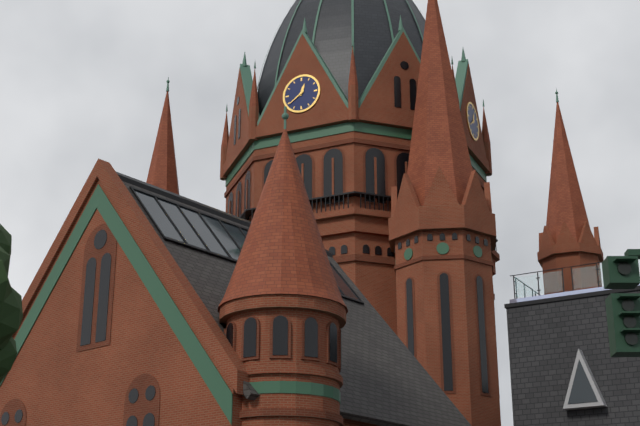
12:39
